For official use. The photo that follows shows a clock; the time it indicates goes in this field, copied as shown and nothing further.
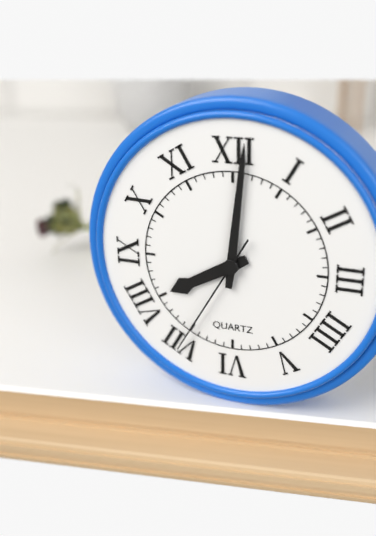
8:01:35
